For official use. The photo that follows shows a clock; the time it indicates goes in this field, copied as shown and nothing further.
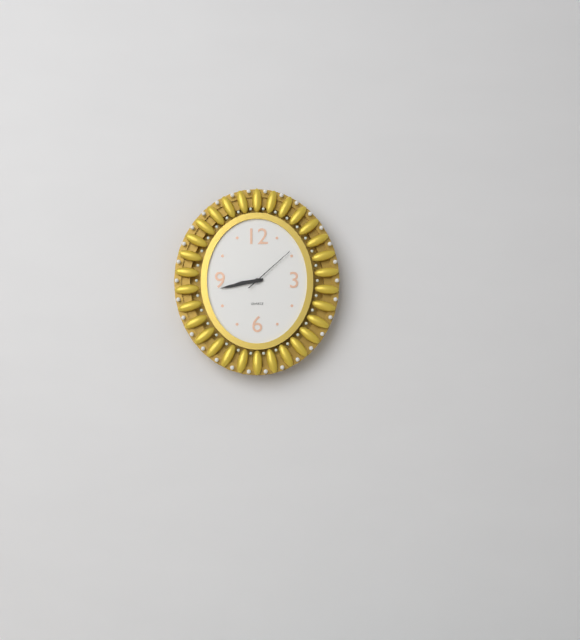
8:43:08
